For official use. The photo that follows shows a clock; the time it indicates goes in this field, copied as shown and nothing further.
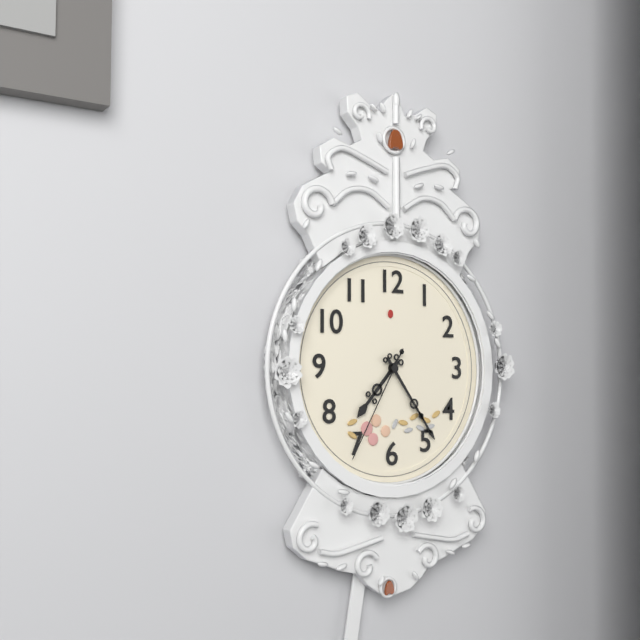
7:24:35
